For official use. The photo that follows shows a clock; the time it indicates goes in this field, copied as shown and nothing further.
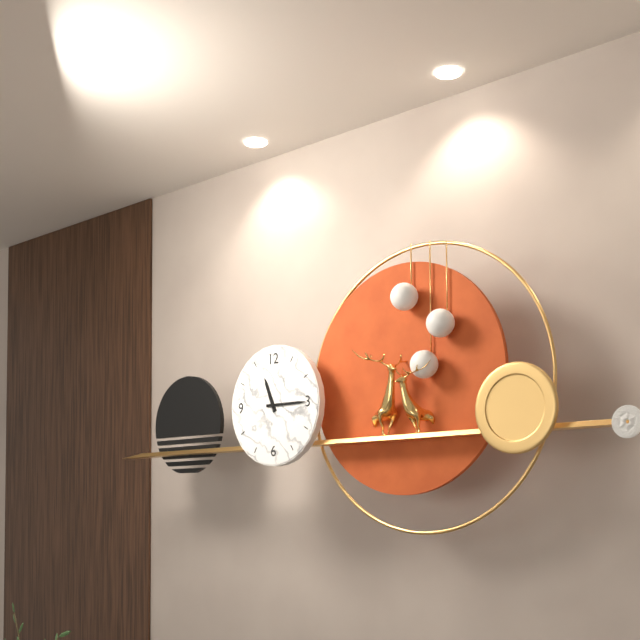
11:15
